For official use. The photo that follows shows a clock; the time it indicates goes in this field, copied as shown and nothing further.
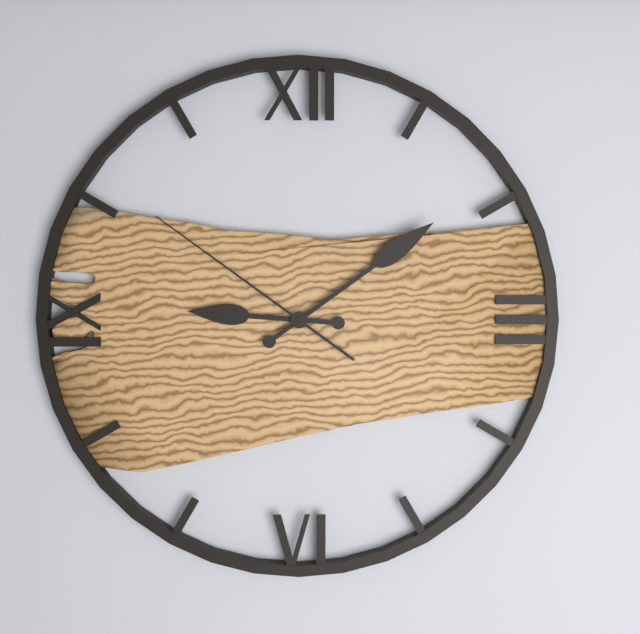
9:09:51
